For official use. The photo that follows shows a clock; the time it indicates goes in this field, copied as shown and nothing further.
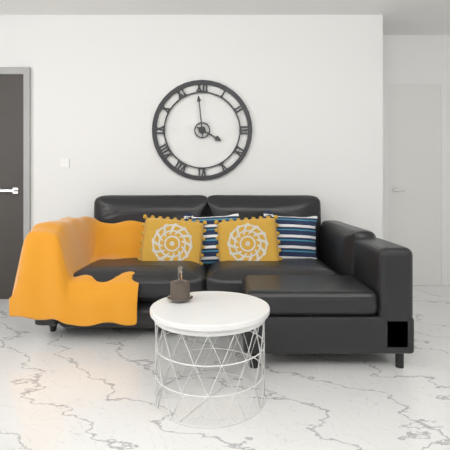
3:59
